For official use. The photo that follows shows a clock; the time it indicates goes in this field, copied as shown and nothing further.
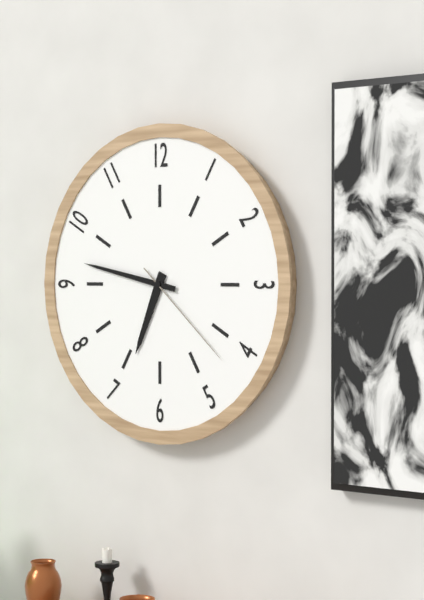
6:47:22
